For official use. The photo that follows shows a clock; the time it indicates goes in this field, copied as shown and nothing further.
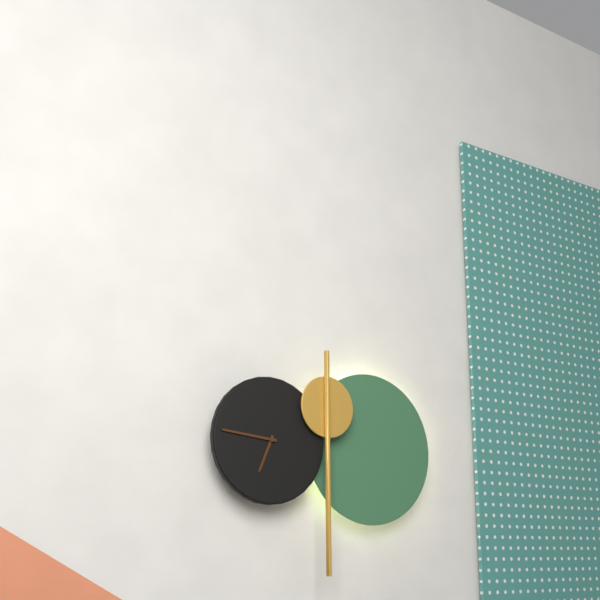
6:46
